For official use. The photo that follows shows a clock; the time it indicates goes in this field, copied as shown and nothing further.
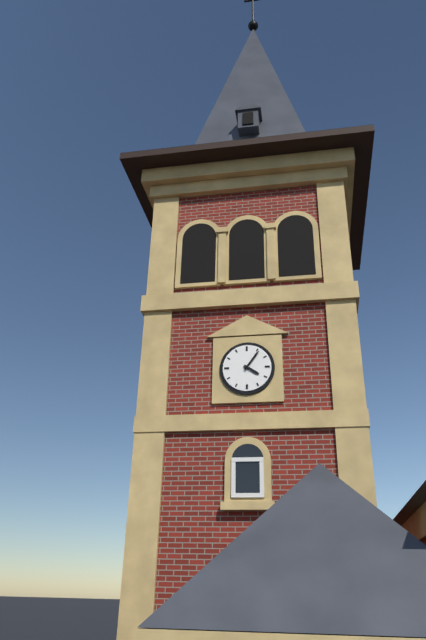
4:06
